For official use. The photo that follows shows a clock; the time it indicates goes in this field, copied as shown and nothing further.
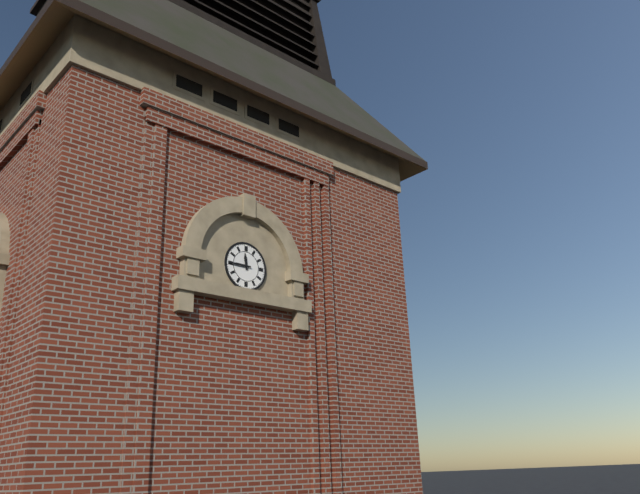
11:45
